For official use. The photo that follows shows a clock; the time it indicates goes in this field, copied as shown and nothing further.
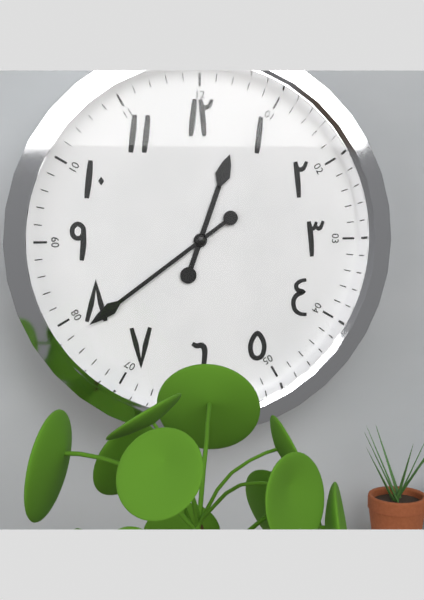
12:39
